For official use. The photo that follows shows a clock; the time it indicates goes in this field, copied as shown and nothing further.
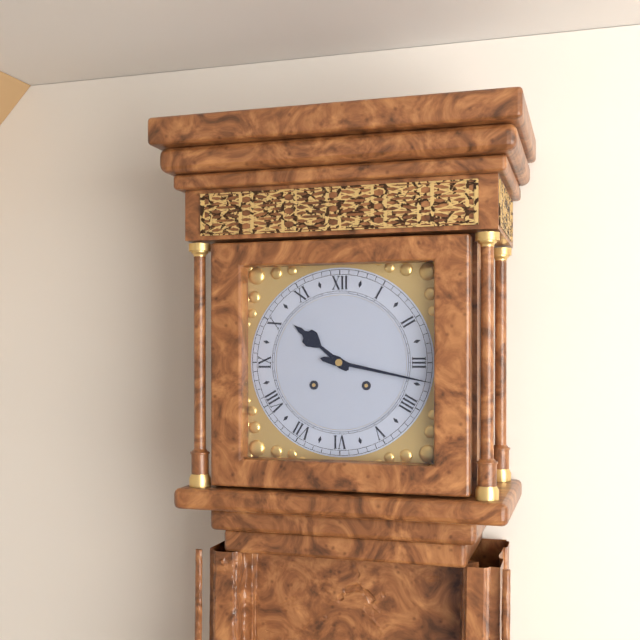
10:17
